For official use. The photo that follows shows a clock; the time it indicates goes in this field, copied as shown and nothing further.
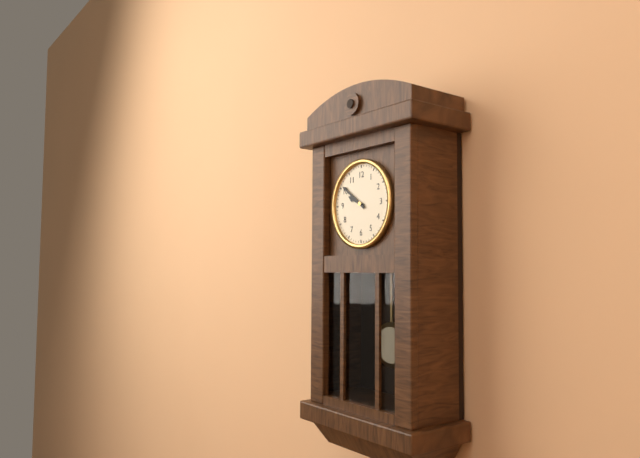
9:51
